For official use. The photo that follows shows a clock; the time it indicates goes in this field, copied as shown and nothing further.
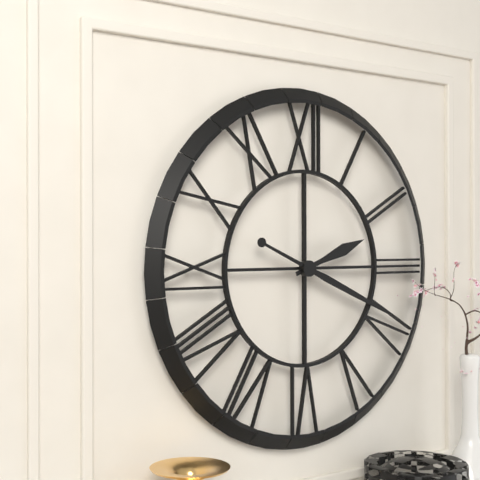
2:19
